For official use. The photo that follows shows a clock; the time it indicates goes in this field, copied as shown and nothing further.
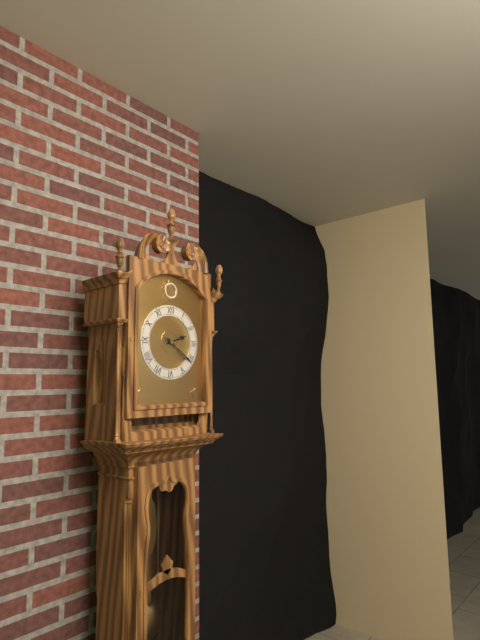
2:21
